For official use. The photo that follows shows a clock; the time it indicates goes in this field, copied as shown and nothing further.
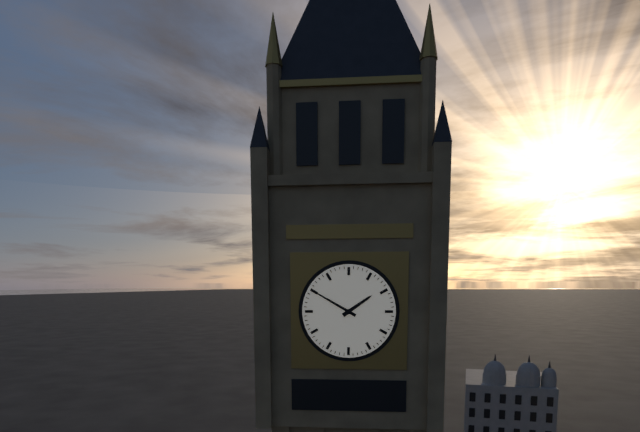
1:50
